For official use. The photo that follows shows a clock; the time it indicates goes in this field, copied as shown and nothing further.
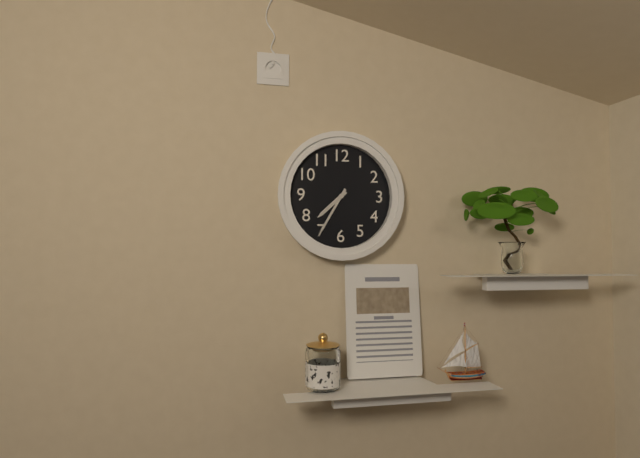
7:35
